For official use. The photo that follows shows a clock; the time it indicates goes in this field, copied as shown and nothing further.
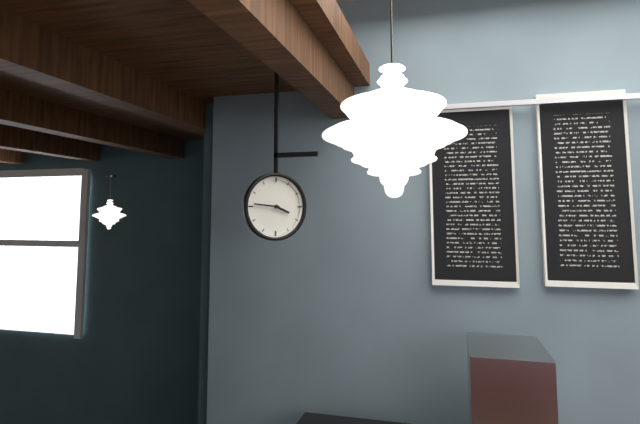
3:46
